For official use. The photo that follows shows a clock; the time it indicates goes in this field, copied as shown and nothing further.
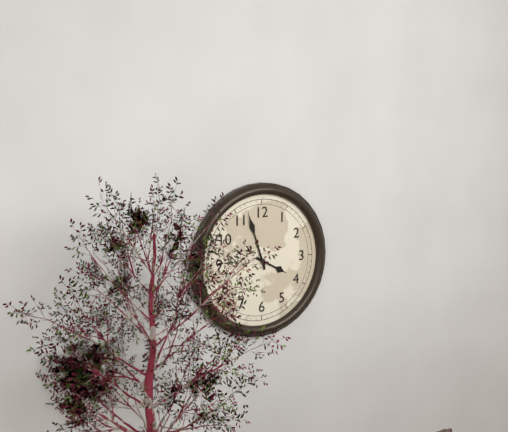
3:57
